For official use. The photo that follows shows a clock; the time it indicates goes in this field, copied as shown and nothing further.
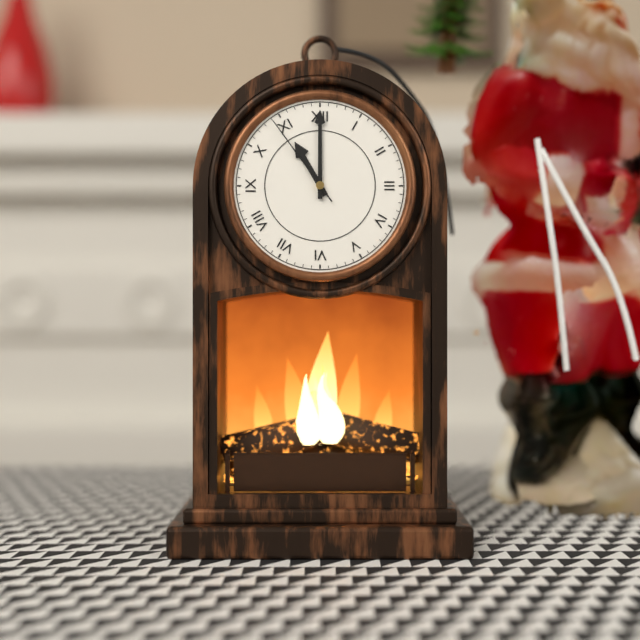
11:00:54
